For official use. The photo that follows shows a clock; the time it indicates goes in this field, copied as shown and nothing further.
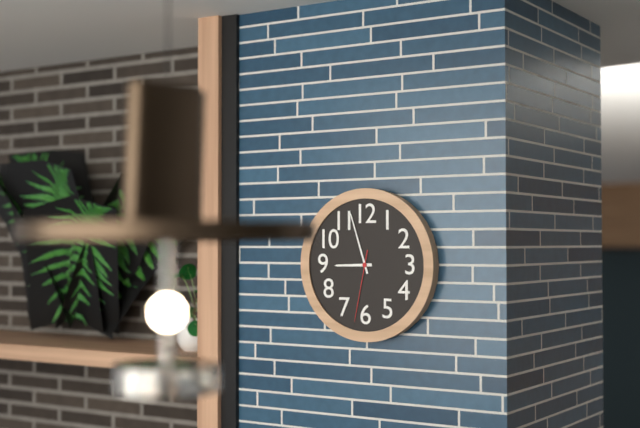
8:57:32
